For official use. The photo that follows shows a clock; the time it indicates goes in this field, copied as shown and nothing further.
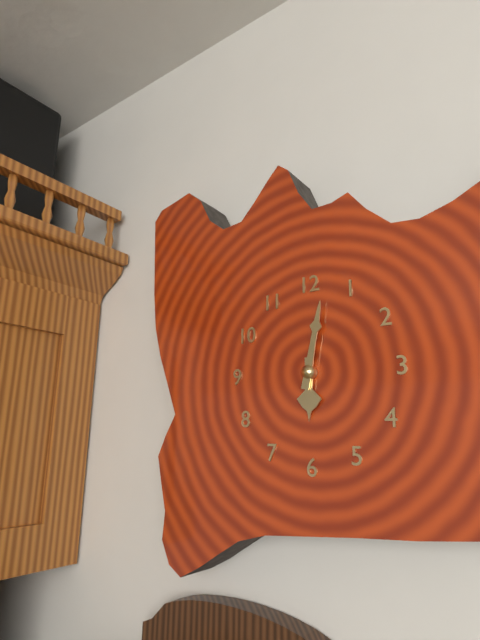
6:02
